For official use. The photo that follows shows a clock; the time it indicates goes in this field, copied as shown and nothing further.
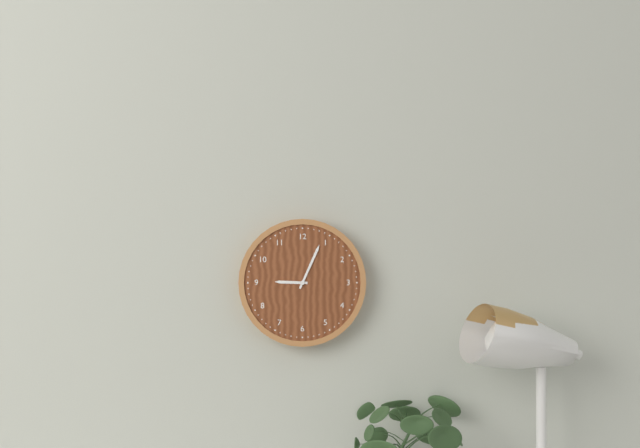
9:04
